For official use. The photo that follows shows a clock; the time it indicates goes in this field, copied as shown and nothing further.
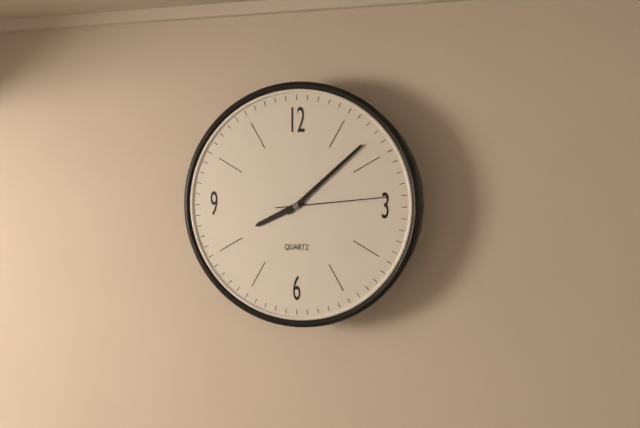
8:08:14
